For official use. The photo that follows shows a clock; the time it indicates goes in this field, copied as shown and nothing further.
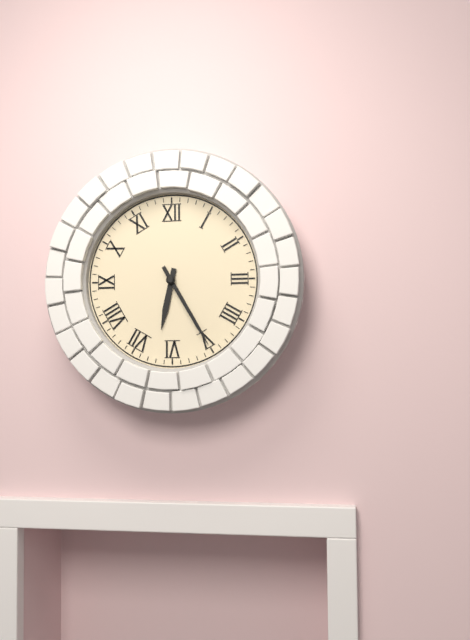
6:25
